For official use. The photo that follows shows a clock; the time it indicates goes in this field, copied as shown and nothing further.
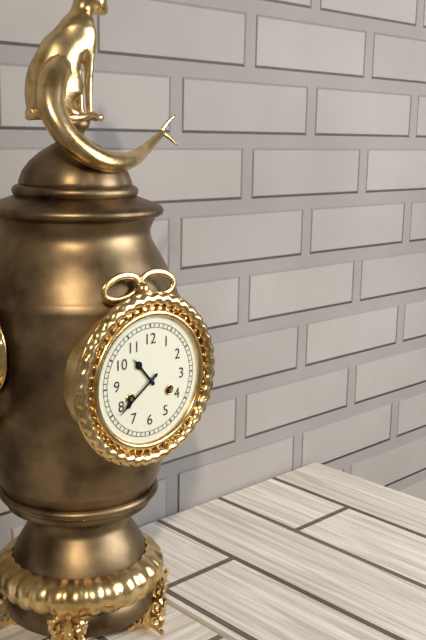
10:39
